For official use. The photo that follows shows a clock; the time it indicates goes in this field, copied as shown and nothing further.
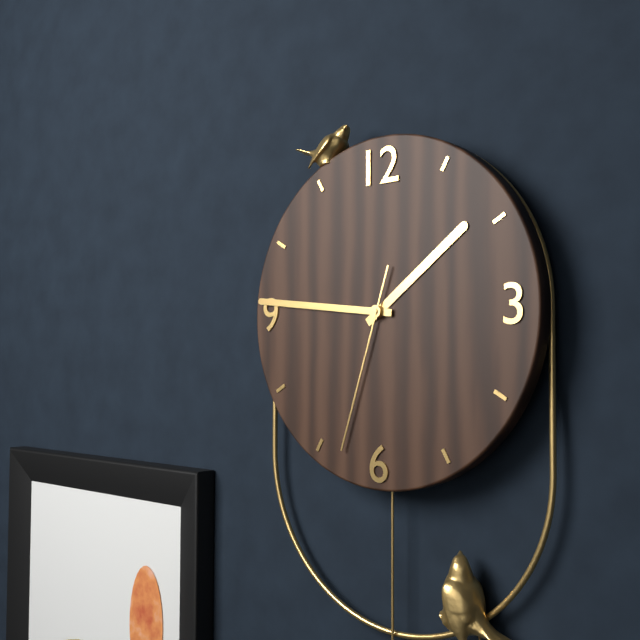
1:46:33
